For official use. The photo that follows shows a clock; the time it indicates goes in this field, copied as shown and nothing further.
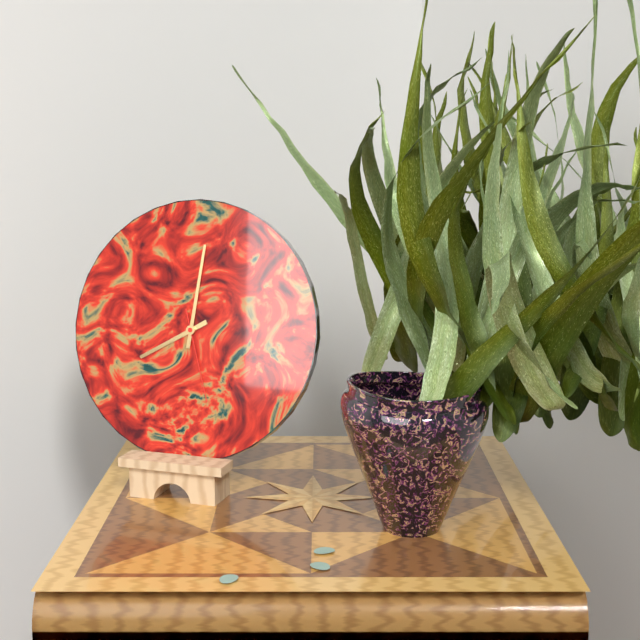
8:01:27
